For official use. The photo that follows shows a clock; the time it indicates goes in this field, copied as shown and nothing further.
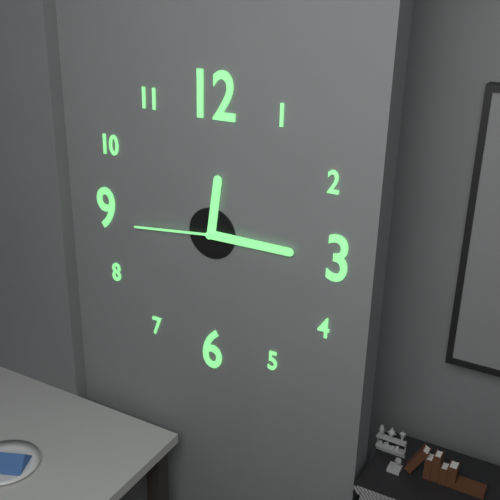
12:15:44
